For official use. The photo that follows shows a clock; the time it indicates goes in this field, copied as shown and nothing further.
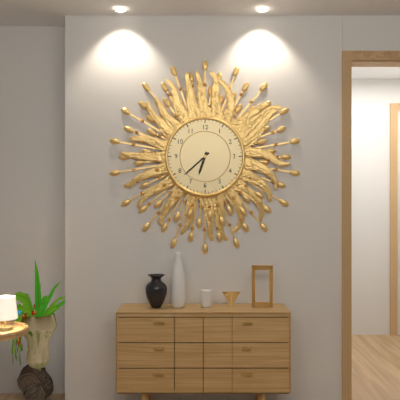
6:38
